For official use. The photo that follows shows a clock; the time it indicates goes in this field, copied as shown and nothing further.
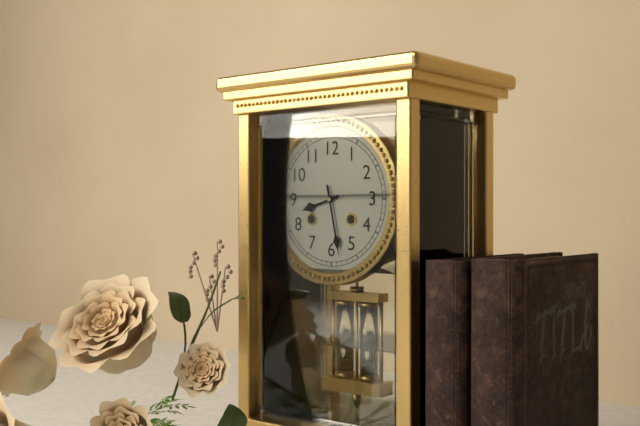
8:28
